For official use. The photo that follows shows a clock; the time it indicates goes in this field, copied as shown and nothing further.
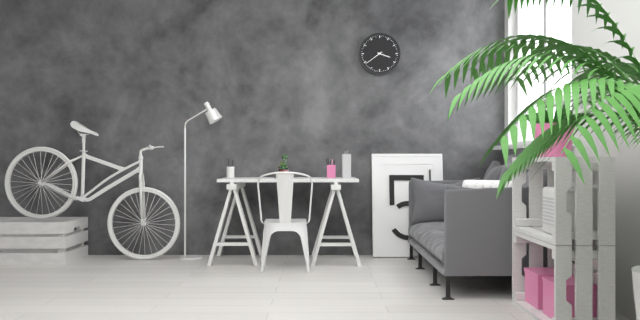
3:39
